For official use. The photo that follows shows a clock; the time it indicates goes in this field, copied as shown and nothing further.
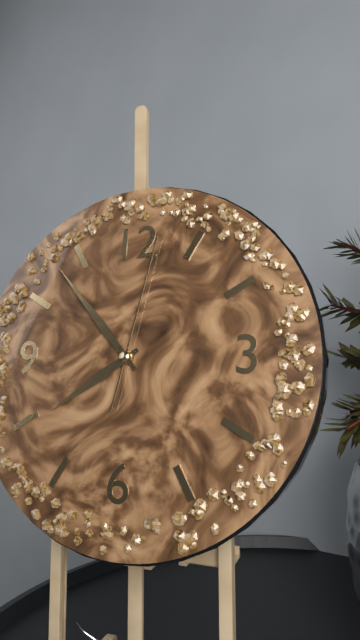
7:53:02
